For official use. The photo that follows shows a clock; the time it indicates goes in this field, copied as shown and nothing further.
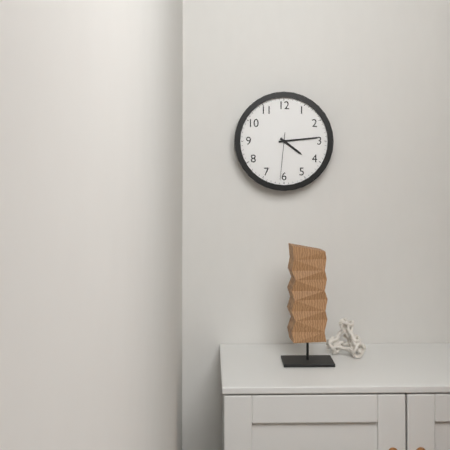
4:14
